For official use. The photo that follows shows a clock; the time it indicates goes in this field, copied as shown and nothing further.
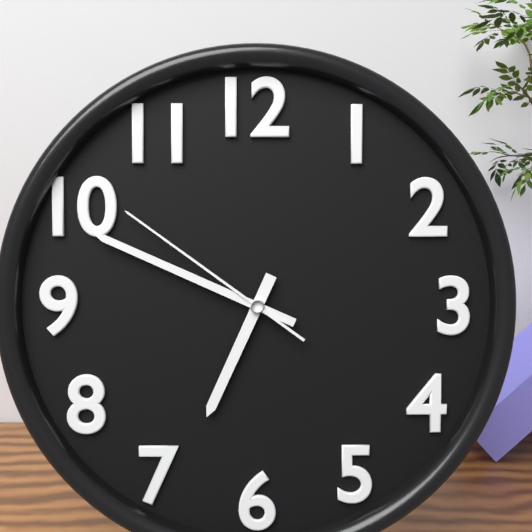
6:49:51
